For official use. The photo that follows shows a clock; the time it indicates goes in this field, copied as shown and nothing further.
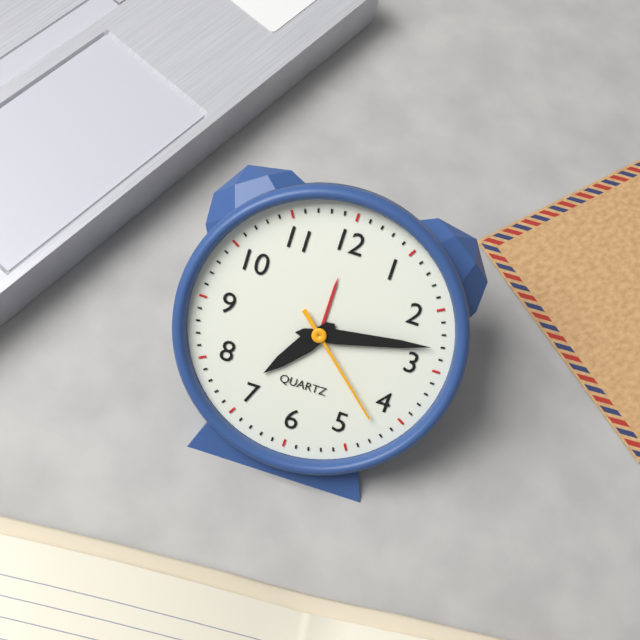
7:13:22
